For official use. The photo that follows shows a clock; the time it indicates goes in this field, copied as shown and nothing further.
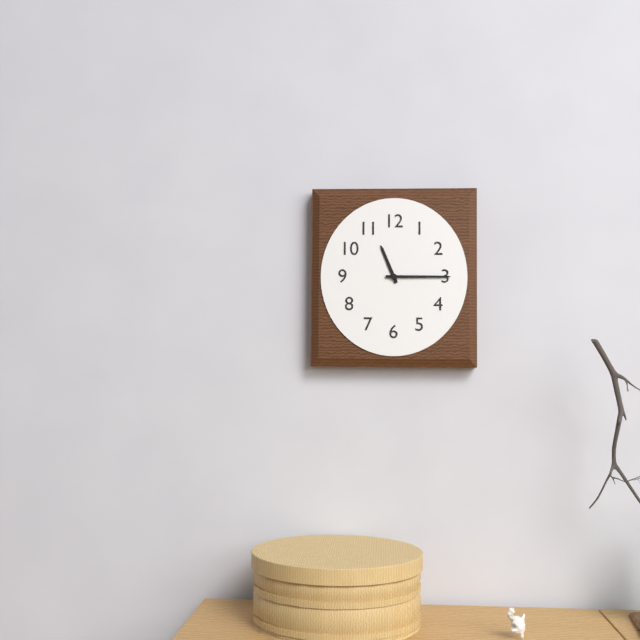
11:15
